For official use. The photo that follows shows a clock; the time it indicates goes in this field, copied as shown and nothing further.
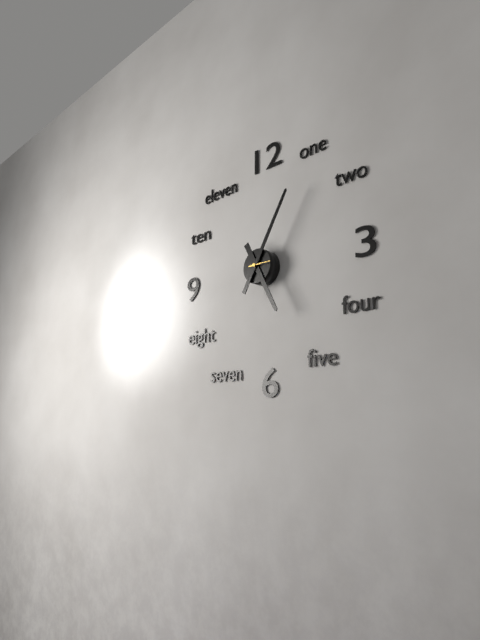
5:05
